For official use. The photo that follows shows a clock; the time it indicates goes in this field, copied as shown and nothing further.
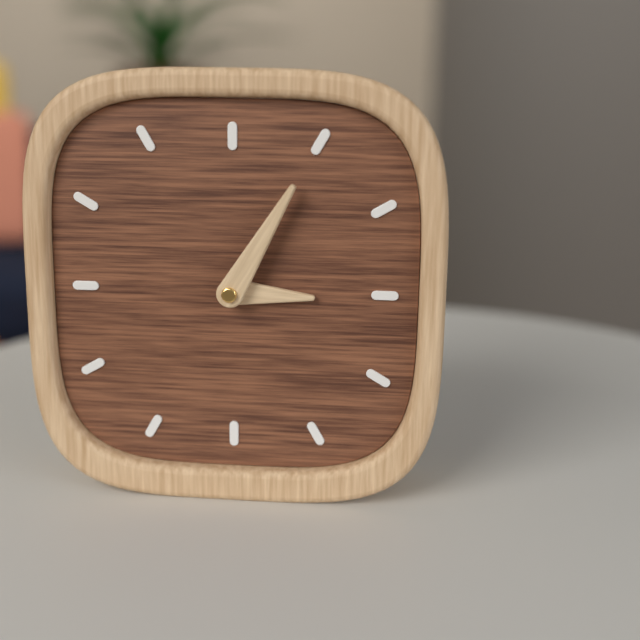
3:05
